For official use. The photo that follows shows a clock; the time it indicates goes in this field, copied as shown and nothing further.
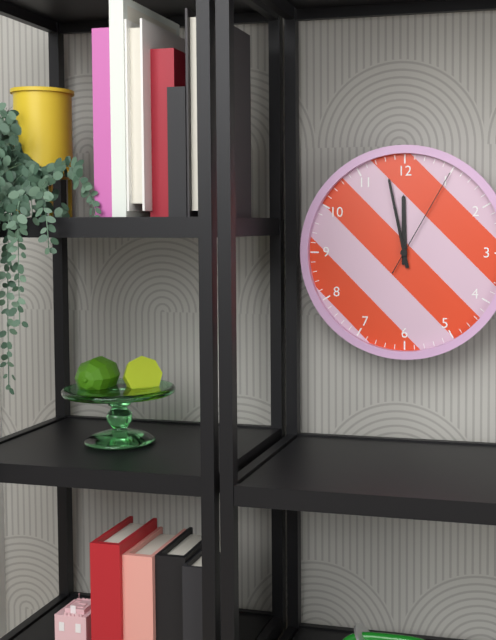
11:58:05
